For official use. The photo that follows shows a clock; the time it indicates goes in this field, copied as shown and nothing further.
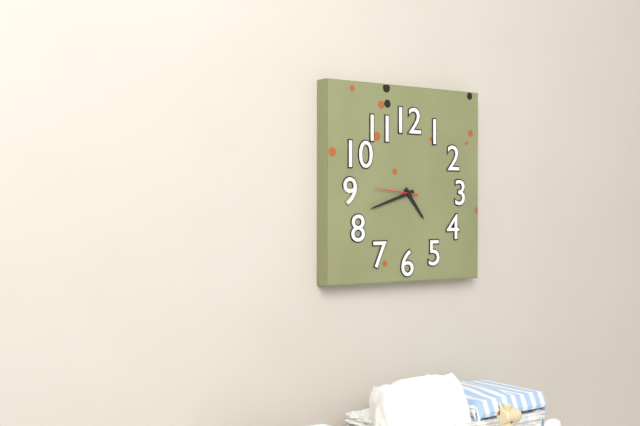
4:42
